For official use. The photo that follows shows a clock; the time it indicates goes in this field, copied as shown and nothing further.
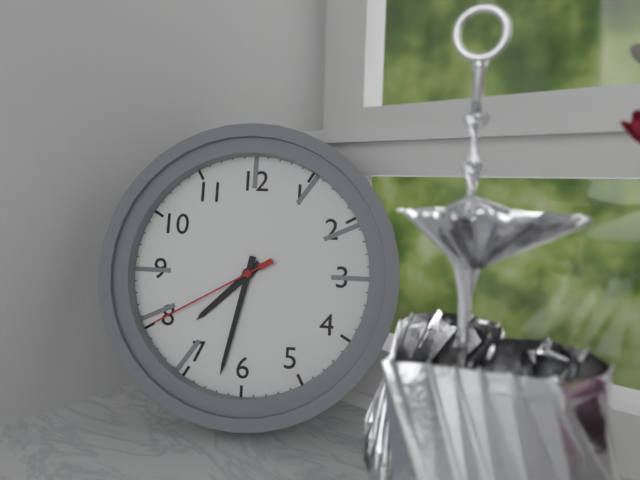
7:32:40
